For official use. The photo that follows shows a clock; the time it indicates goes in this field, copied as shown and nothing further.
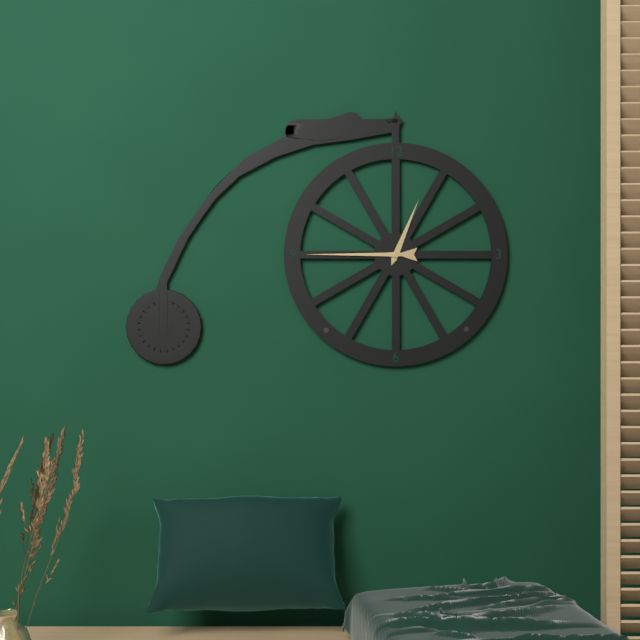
12:45
